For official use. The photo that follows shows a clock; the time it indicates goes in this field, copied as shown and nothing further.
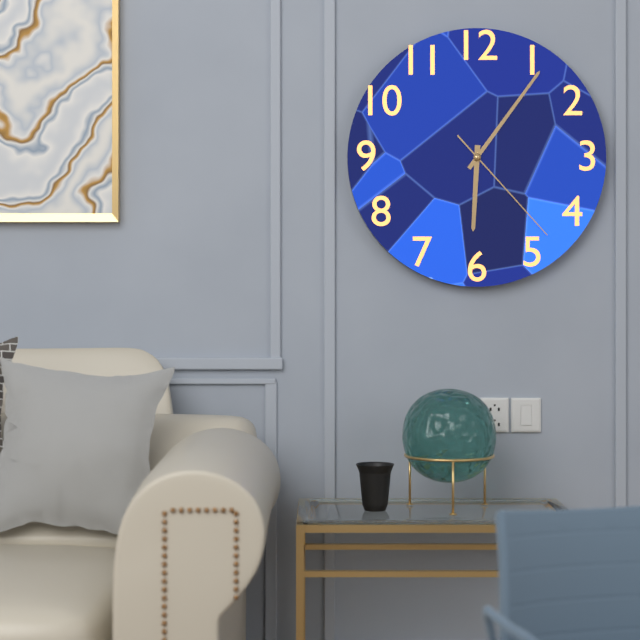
6:06:23
